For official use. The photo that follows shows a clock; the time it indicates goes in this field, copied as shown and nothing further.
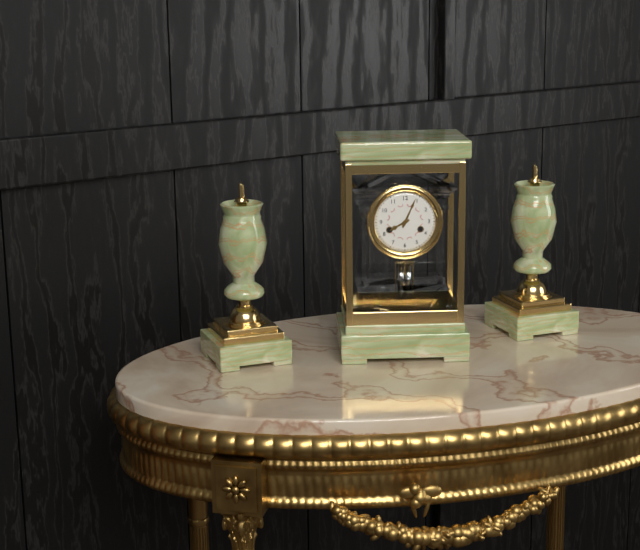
8:04
